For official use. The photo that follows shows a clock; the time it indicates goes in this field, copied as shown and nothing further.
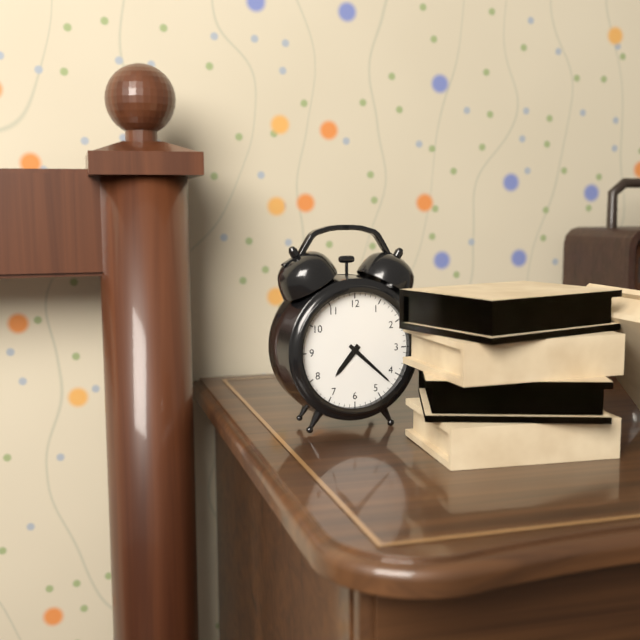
7:22
